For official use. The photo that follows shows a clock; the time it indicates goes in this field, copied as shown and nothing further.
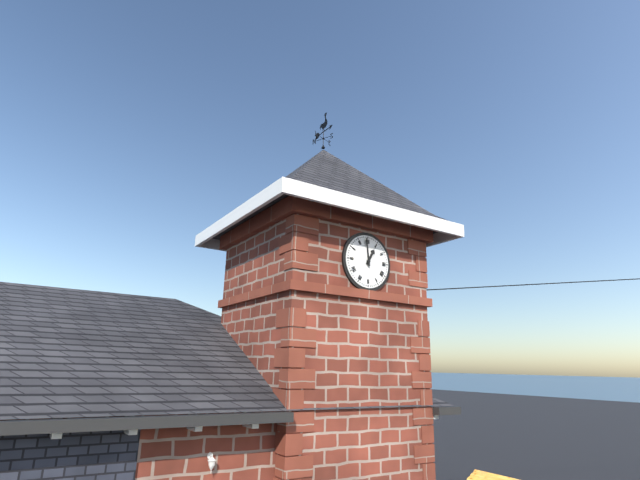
12:59
